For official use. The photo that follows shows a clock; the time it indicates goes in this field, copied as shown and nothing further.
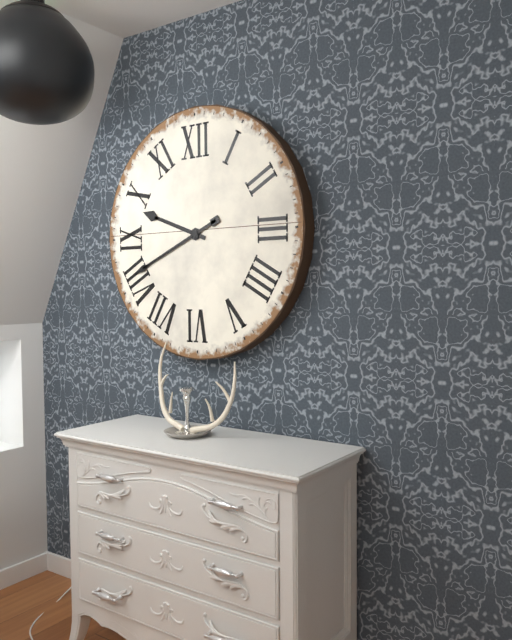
9:41
